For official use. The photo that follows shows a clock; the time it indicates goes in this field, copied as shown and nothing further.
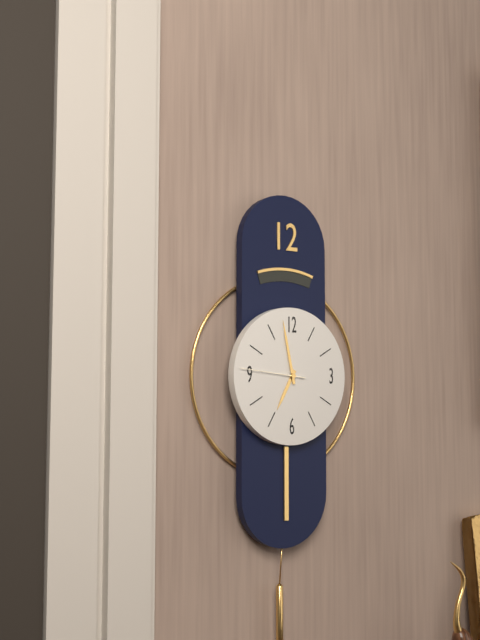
6:58:46
